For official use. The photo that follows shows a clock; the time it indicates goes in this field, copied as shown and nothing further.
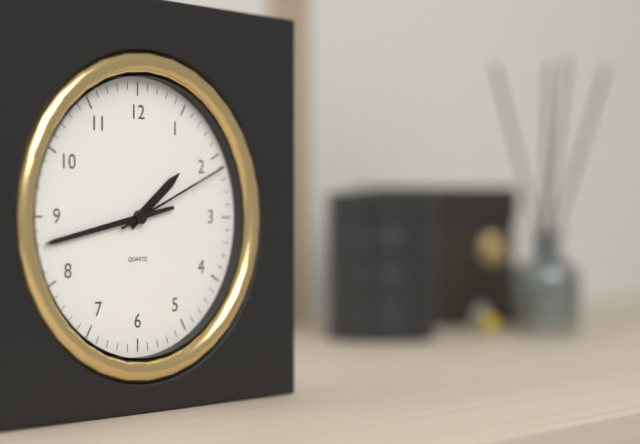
1:43:11
